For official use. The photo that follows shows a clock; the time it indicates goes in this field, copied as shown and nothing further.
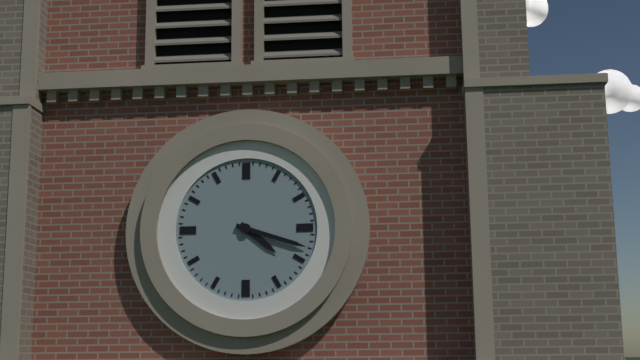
4:18
